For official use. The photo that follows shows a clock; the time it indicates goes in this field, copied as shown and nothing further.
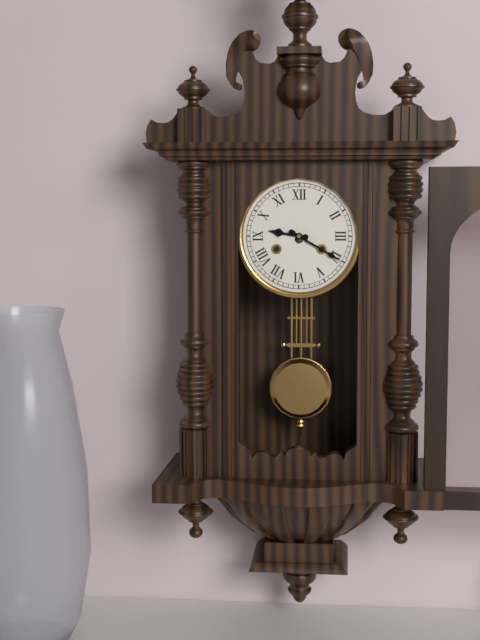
9:20
